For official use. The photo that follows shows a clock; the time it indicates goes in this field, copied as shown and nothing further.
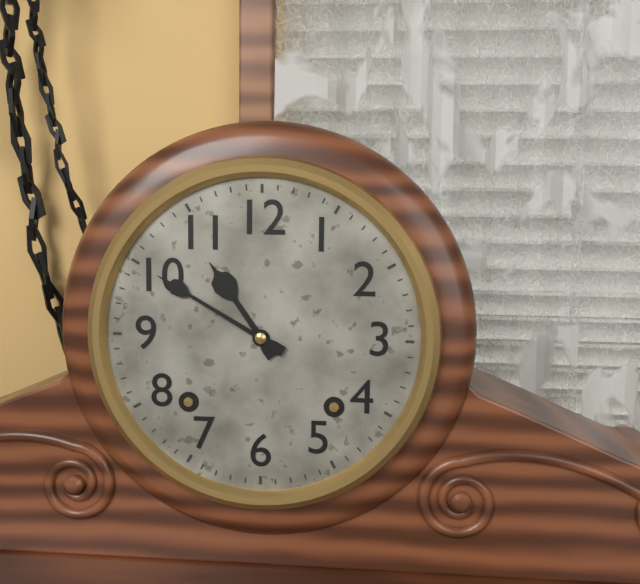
10:50
